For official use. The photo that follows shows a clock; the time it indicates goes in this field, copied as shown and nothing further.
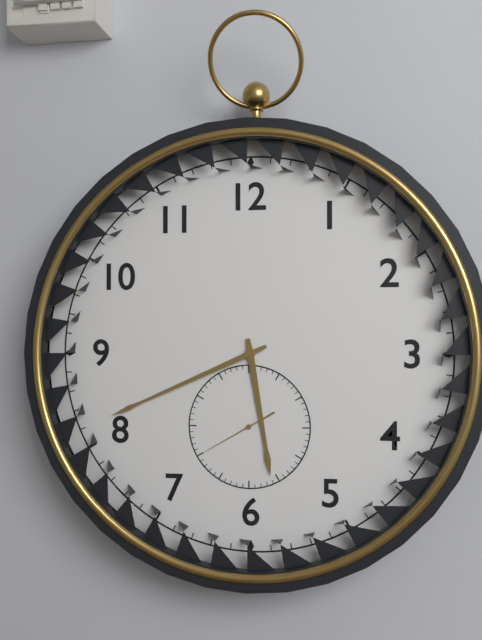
5:41:40
